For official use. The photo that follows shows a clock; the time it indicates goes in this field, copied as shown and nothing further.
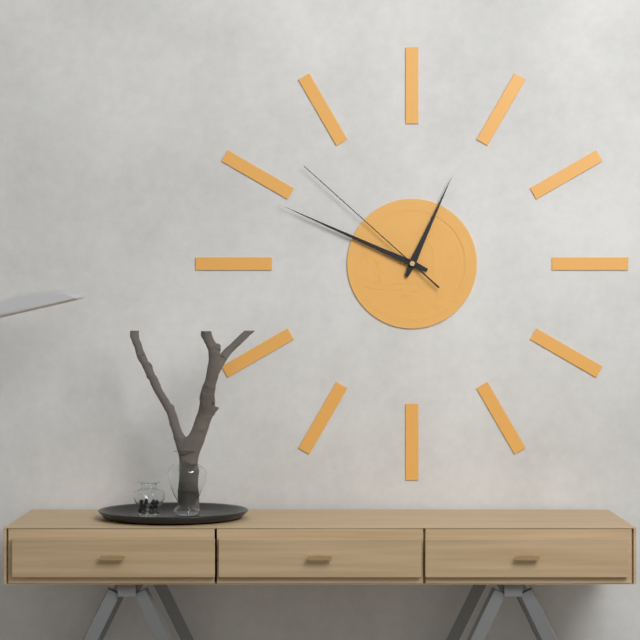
12:49:52
